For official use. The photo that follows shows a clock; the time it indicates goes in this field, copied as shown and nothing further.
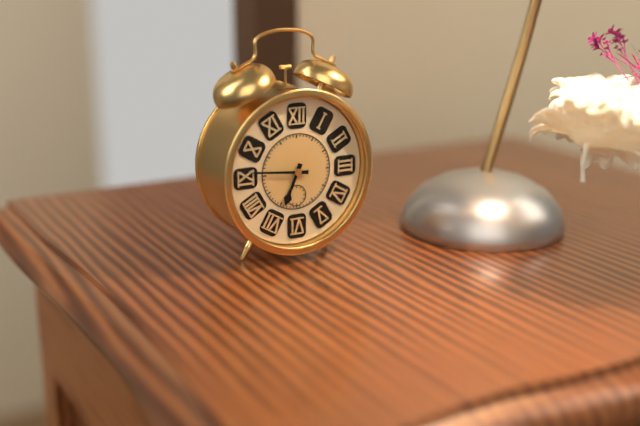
6:46
